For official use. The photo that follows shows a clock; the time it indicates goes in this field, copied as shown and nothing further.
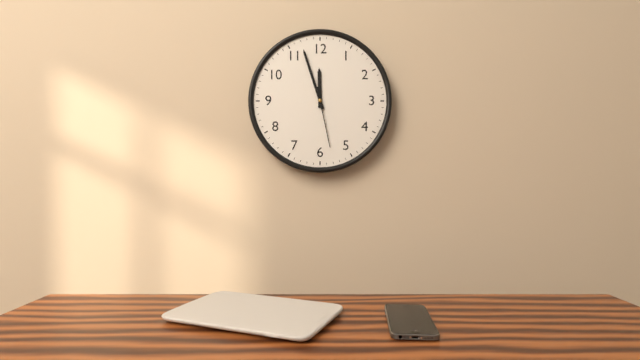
11:57:28
